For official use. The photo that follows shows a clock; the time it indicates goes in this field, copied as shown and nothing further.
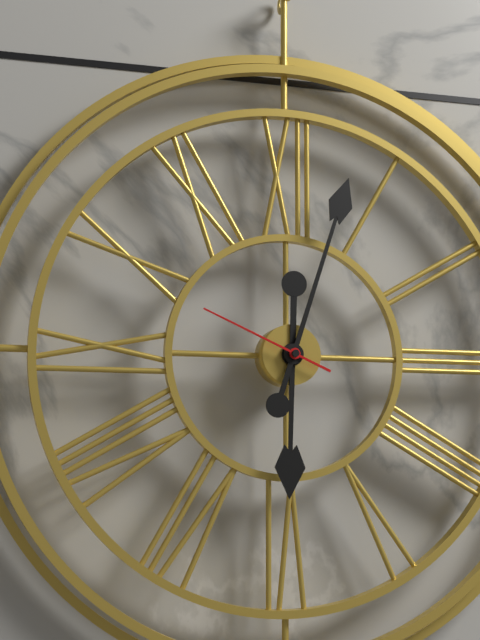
6:03:49
